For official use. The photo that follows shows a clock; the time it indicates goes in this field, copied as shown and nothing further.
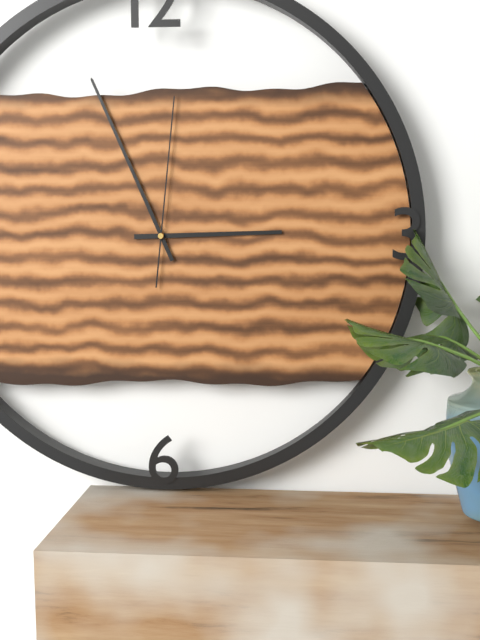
2:56:01
